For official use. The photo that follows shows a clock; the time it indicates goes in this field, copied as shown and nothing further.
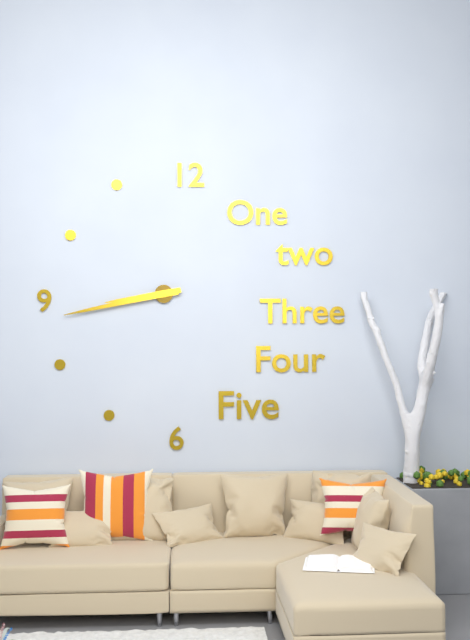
8:43
